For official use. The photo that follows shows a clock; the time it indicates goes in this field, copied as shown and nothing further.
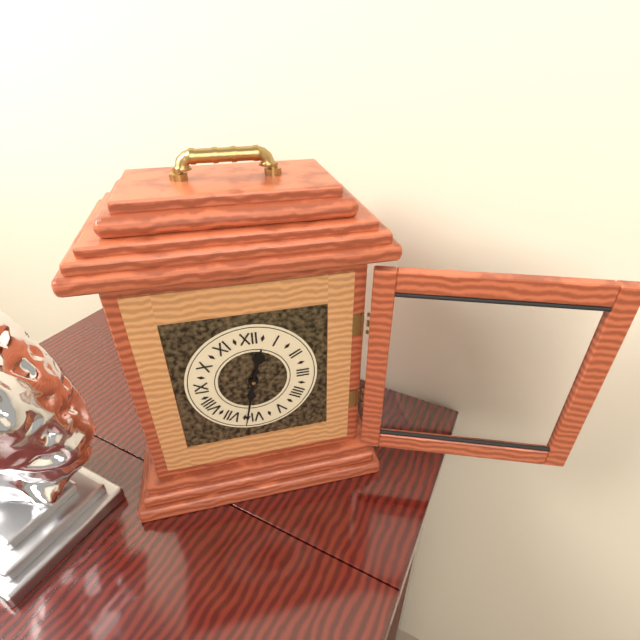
12:32
